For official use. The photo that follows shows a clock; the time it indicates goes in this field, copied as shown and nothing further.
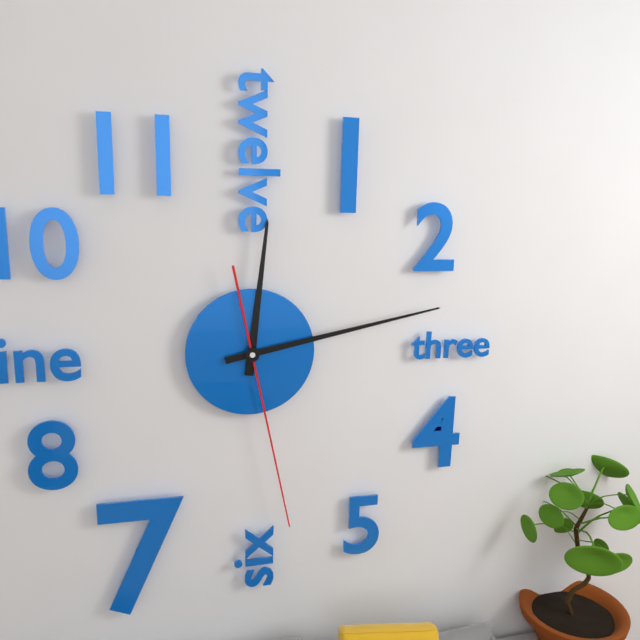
12:13:28
